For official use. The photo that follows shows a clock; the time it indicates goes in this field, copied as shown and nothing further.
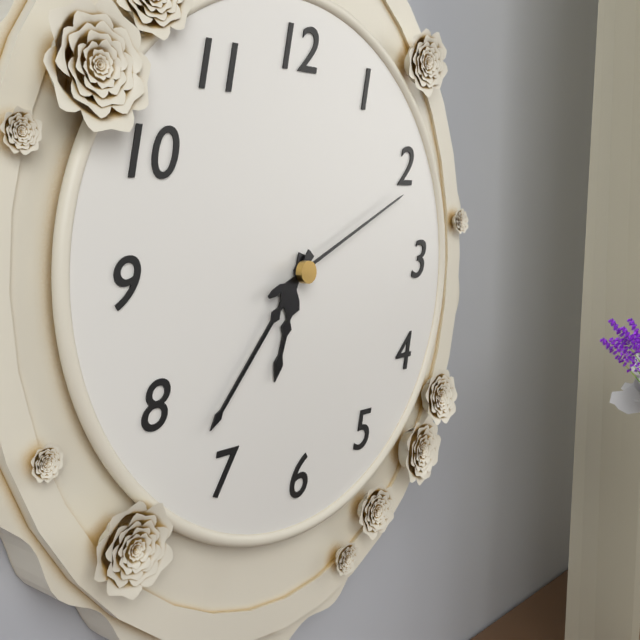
6:37:11
